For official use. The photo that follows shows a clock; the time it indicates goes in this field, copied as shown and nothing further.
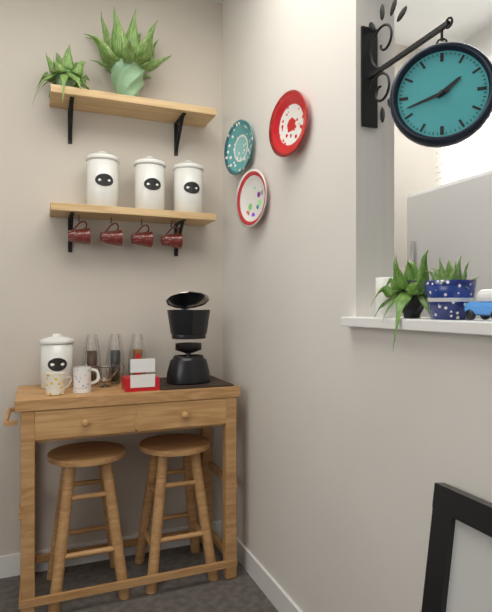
1:42
